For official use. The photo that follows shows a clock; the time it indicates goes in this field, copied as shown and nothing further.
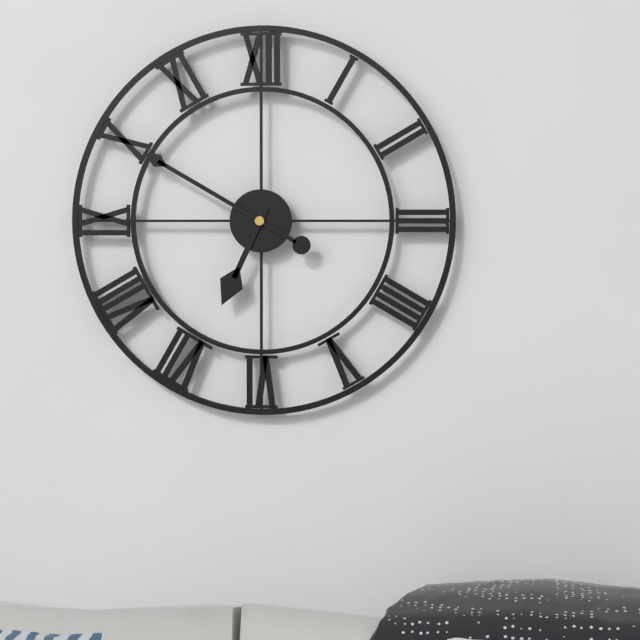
6:50
